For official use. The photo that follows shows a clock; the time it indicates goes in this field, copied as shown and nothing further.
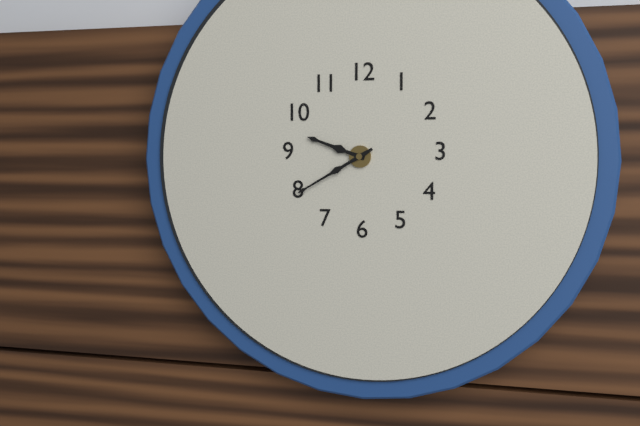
9:40
